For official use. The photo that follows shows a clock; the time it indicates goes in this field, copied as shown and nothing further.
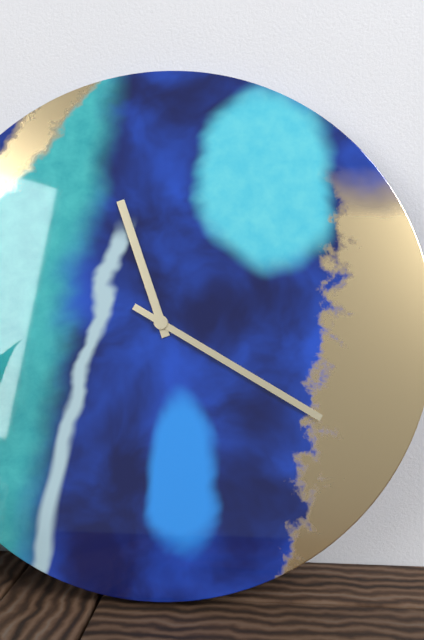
11:20
